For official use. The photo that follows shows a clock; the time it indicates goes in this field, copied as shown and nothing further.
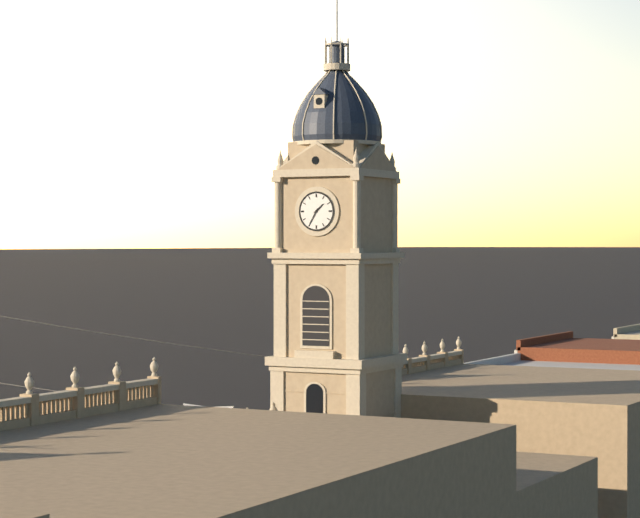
1:35
